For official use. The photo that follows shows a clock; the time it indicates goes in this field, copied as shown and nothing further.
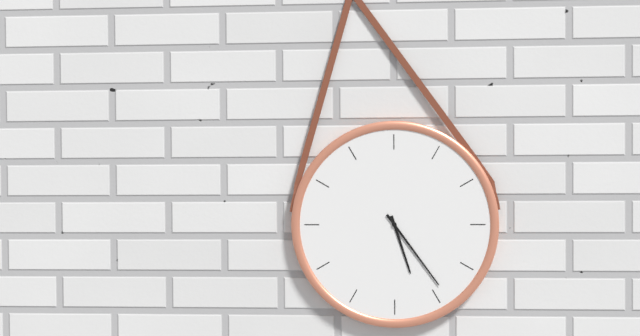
5:24
